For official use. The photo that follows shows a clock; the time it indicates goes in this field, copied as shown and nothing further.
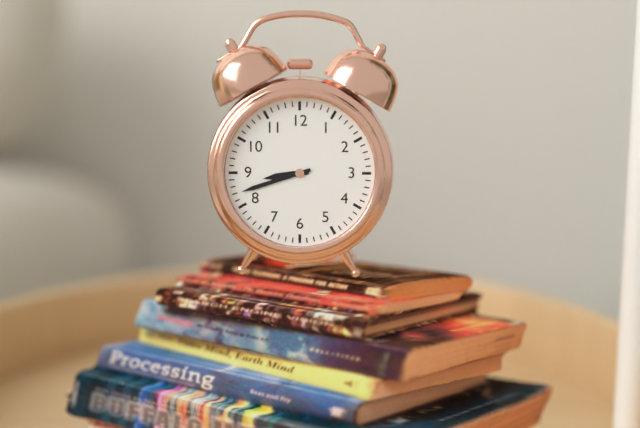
8:42
